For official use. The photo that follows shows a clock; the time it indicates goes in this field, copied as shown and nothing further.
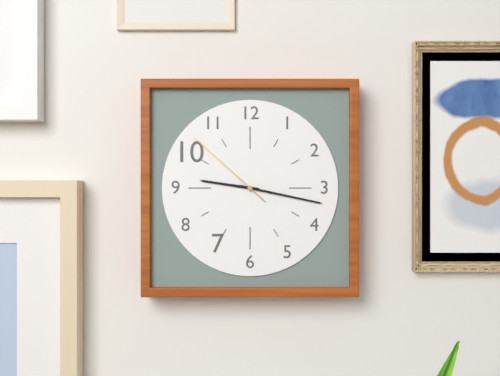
9:17:52
